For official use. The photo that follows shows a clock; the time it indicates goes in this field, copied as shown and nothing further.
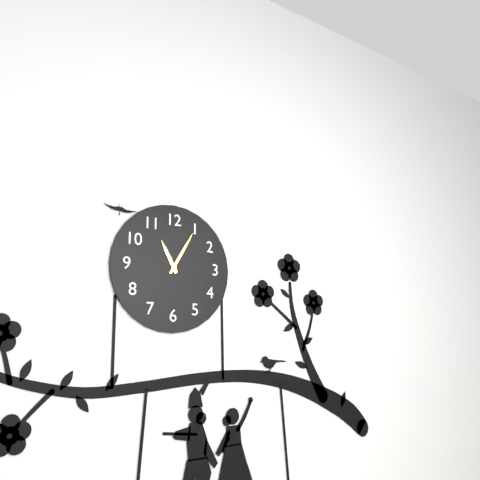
11:05
